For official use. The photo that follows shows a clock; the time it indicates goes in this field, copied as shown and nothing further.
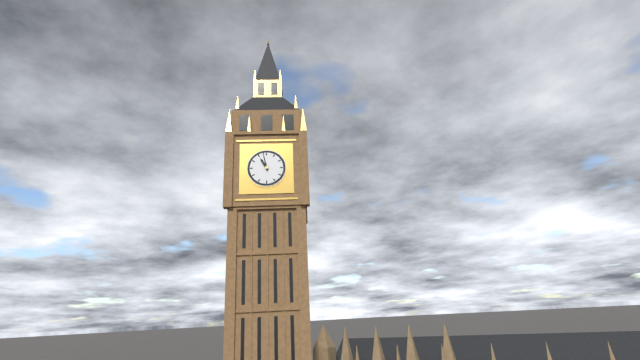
10:58
